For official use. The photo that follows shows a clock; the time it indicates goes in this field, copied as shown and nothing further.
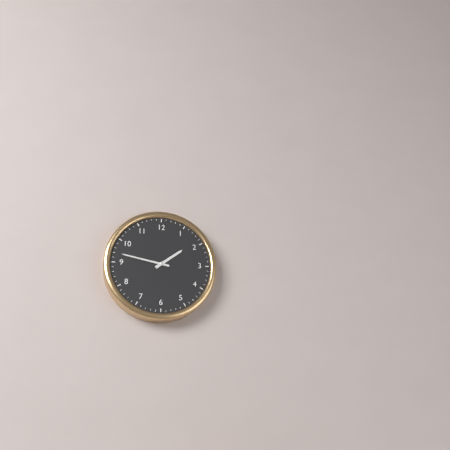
1:47
